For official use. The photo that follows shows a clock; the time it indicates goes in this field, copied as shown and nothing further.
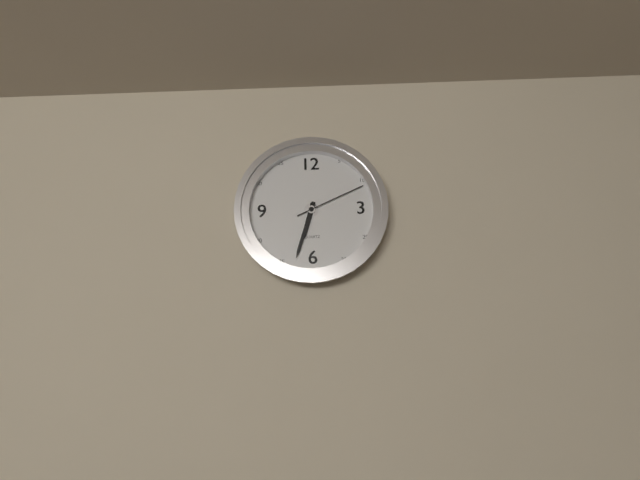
6:33:11
